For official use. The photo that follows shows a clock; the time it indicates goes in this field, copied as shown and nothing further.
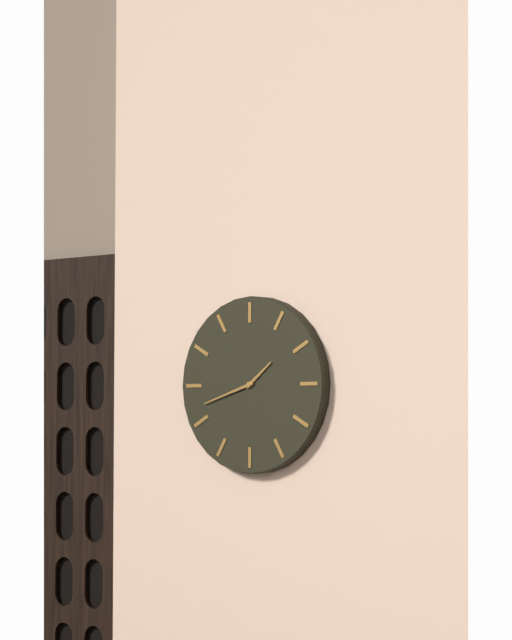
1:42
